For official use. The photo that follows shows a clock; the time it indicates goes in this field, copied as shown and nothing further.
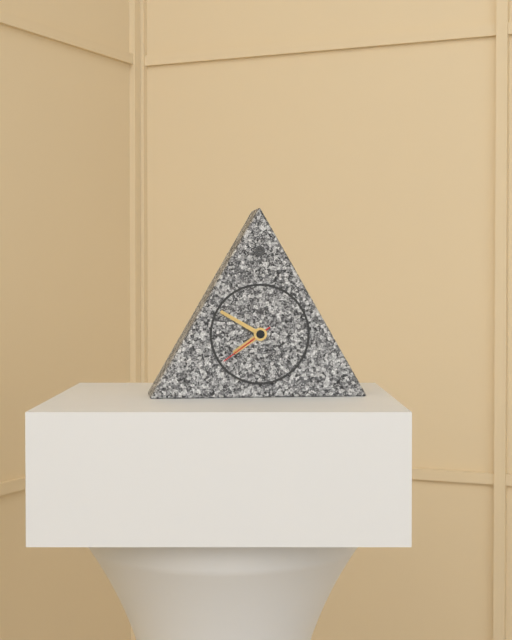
7:50:39
